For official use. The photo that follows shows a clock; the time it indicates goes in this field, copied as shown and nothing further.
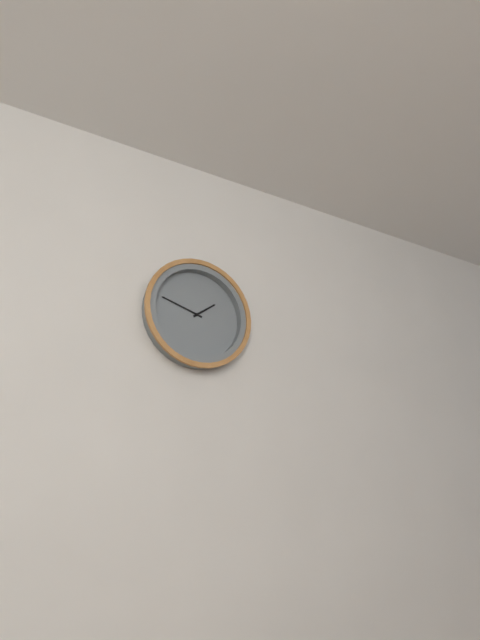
1:48
